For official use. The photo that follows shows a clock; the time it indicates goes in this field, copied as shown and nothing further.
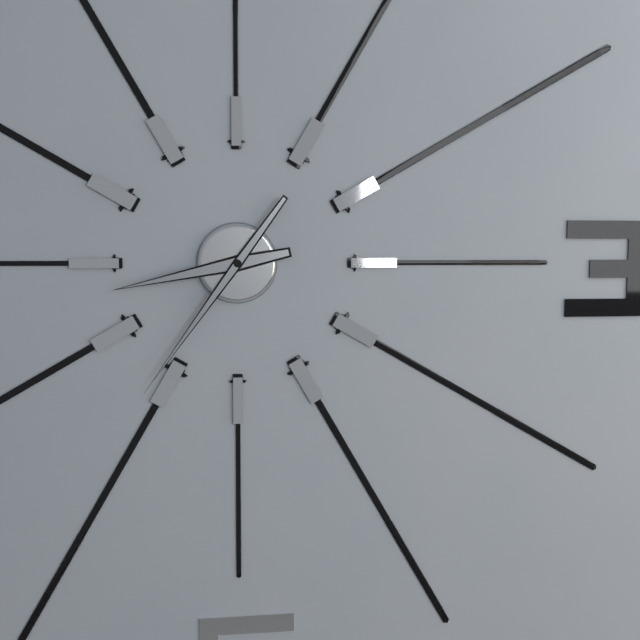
8:36
